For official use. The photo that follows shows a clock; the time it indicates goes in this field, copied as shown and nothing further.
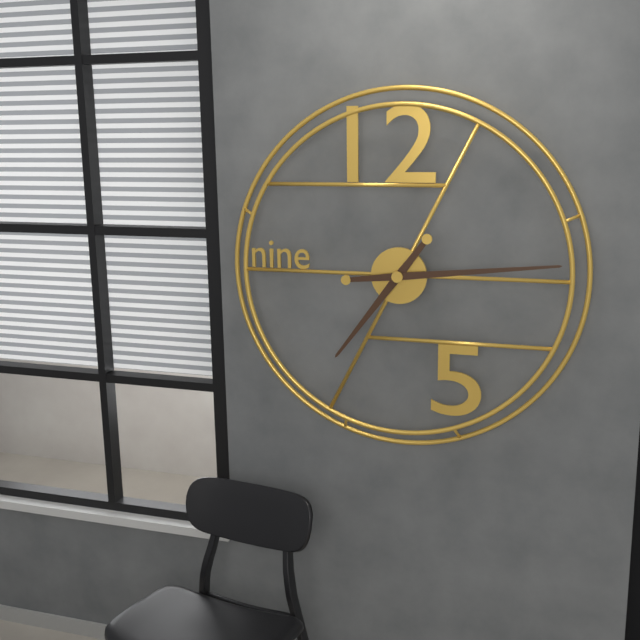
7:14
